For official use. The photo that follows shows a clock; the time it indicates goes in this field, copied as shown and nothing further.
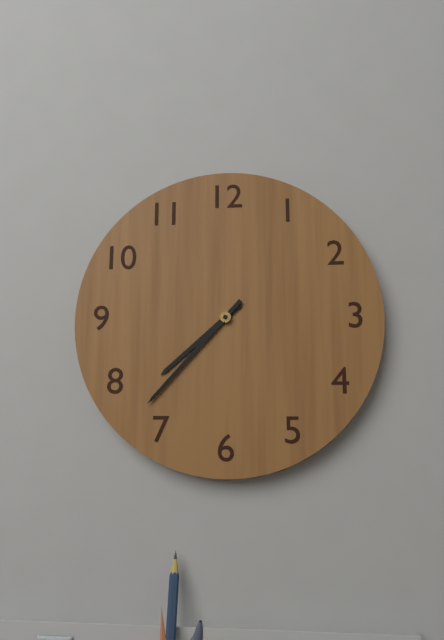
7:37
